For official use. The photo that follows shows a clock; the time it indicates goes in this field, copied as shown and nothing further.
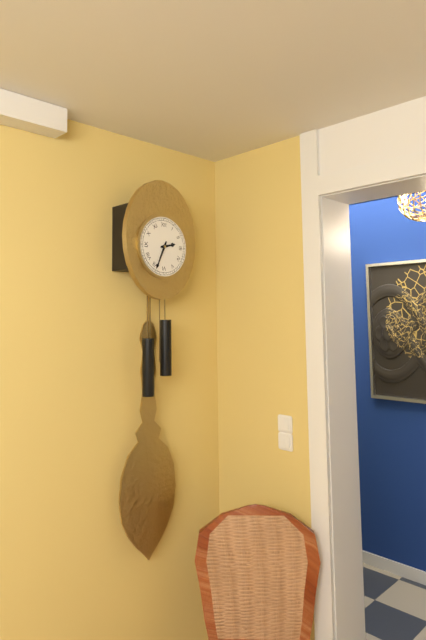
2:34
